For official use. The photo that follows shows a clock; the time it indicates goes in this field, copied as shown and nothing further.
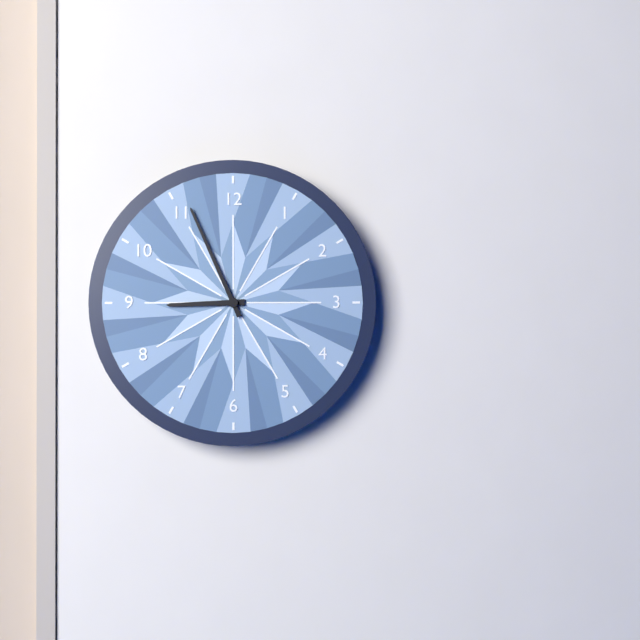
8:56
